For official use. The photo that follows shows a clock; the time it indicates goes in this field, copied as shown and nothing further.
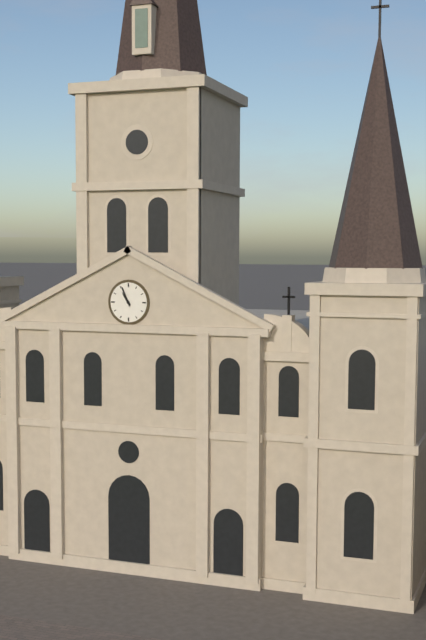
10:56
